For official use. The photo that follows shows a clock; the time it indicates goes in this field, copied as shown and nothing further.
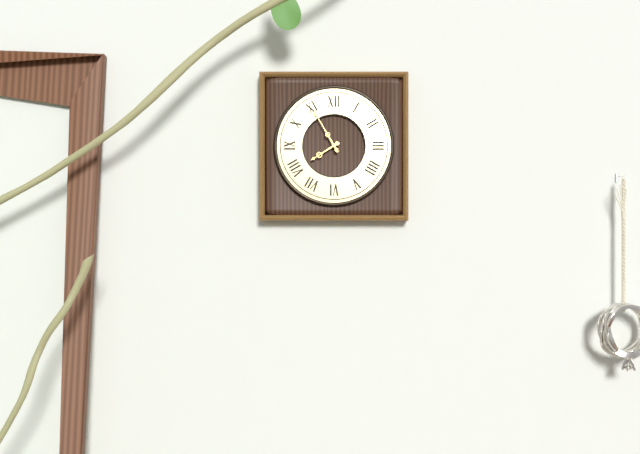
7:55
